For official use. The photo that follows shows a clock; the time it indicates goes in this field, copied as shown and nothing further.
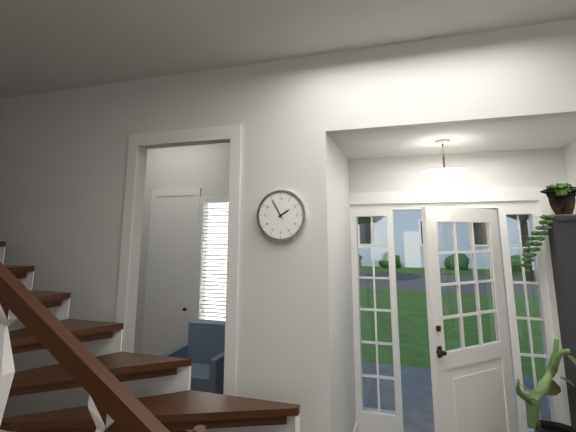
1:55
